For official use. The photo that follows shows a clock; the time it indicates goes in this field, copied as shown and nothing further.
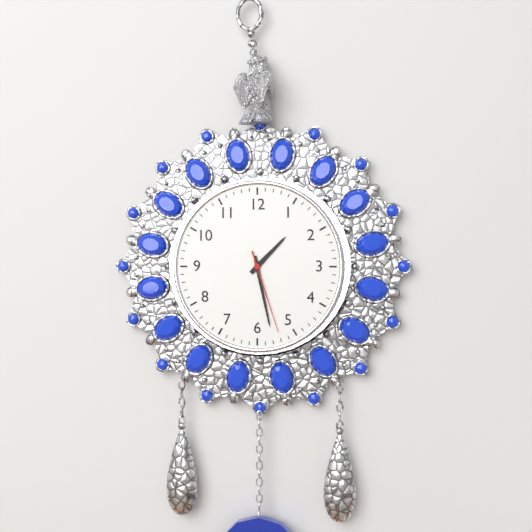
1:28:27
